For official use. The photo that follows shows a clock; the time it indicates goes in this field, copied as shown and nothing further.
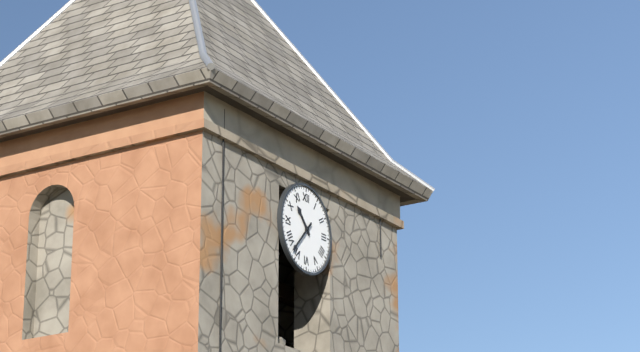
10:37
